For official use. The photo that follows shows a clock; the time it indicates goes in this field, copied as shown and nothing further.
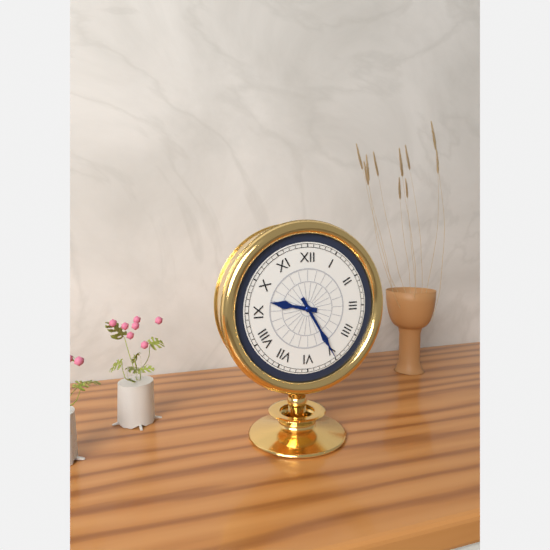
9:25
